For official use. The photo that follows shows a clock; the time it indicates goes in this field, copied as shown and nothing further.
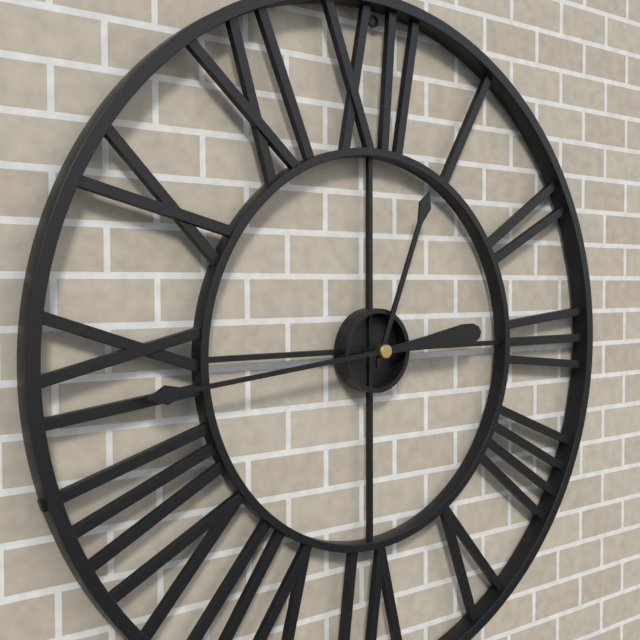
12:44
